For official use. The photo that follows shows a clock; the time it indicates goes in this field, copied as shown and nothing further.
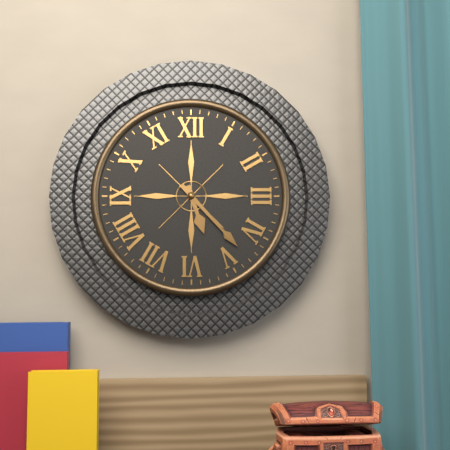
5:23
